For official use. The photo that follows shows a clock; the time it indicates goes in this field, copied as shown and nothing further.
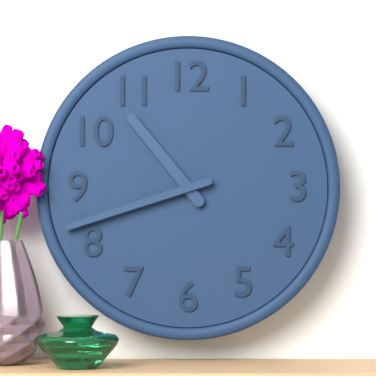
10:42
